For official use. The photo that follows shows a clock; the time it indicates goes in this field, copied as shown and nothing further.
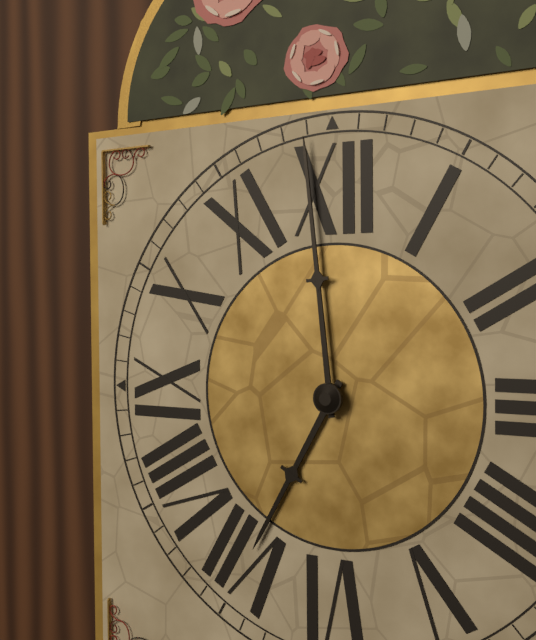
6:59
